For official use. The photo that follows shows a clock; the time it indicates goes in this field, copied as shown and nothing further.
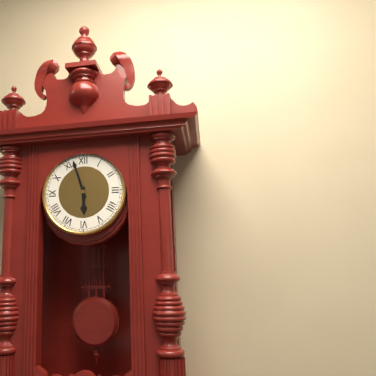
5:57
